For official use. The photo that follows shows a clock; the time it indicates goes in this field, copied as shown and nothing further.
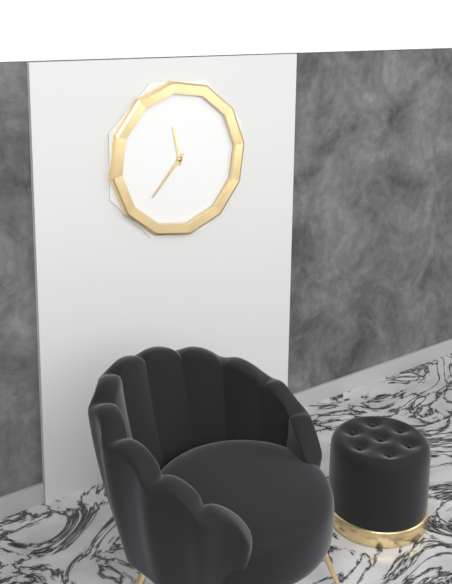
11:37
